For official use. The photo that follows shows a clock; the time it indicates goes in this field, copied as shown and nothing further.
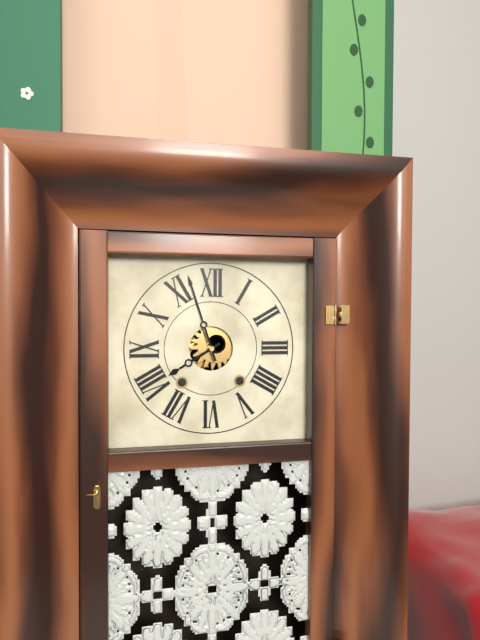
7:57
